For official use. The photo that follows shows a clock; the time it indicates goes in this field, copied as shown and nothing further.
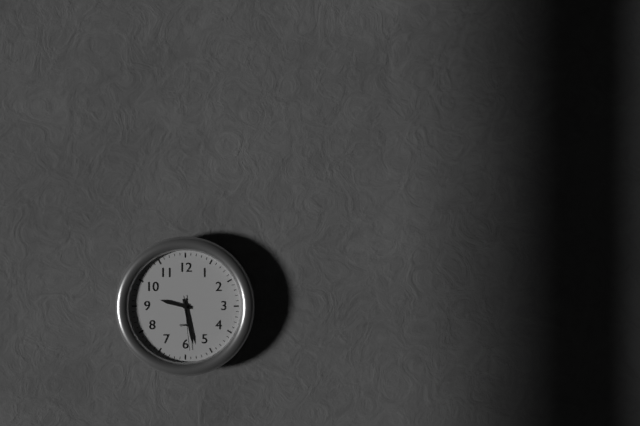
9:28:29
